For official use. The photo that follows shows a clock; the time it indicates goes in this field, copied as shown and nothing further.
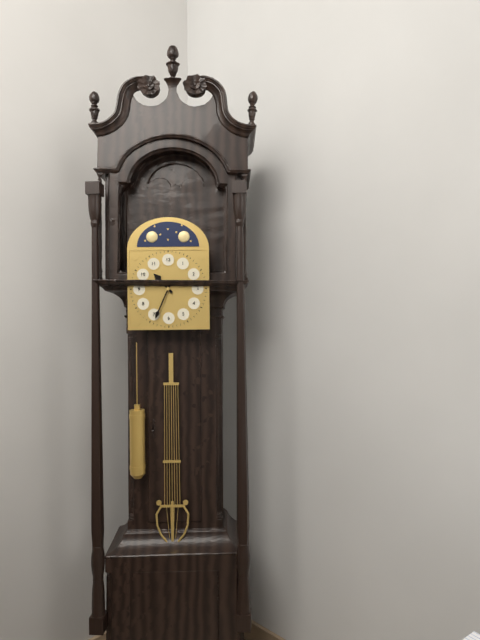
10:34
